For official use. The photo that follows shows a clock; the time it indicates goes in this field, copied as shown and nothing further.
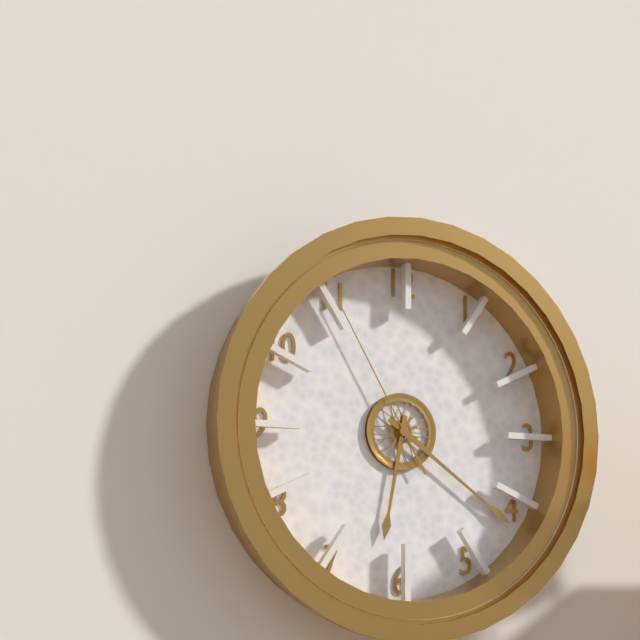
6:21:55
